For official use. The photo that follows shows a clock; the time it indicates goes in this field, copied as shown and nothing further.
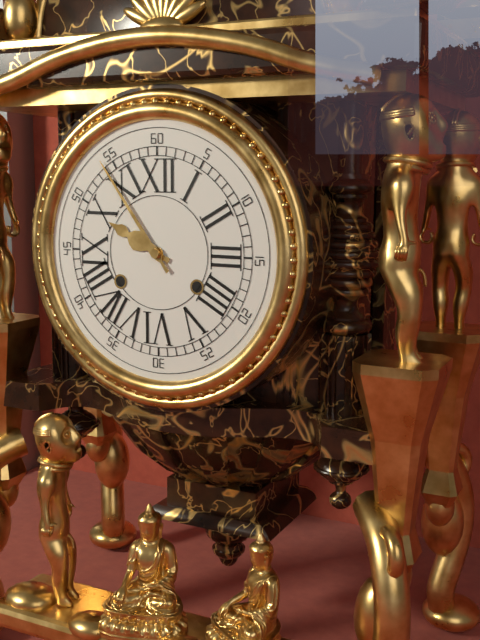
9:54
